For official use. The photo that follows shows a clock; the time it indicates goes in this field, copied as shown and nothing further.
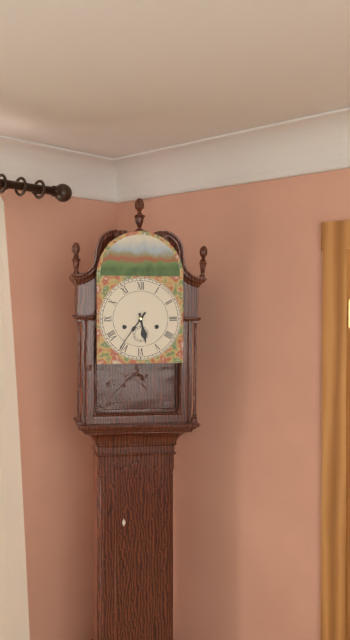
5:36
